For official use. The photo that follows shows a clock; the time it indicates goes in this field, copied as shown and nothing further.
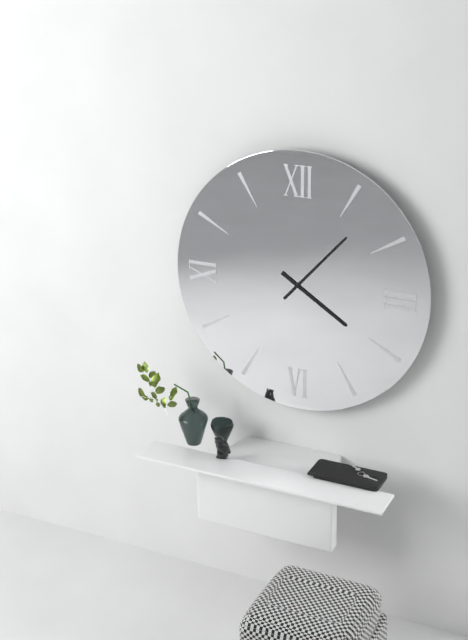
4:07
